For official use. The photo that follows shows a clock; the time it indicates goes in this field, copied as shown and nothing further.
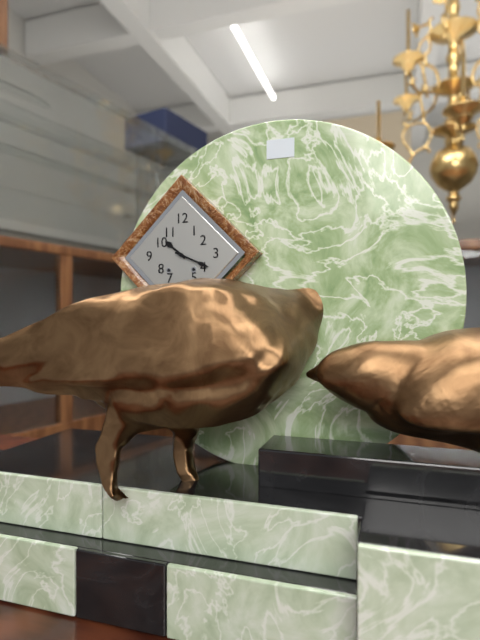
10:19
